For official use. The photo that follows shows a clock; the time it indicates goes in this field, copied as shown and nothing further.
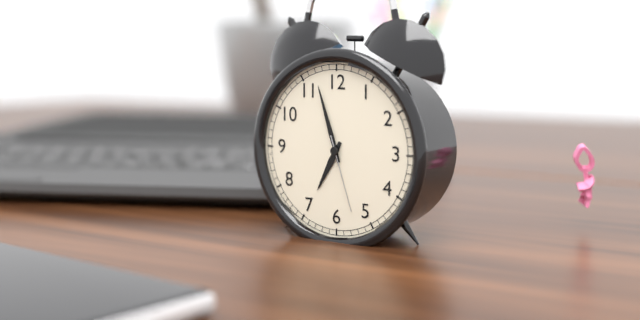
6:57:27
